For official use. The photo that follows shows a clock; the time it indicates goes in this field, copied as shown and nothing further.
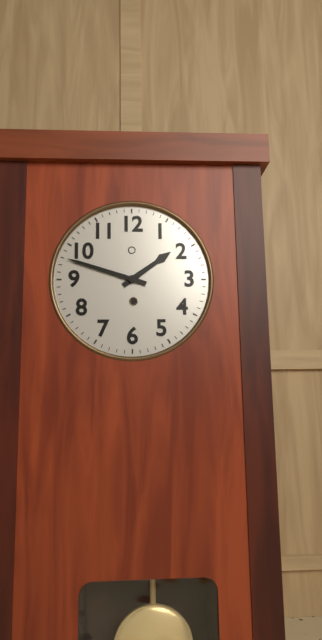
1:48
